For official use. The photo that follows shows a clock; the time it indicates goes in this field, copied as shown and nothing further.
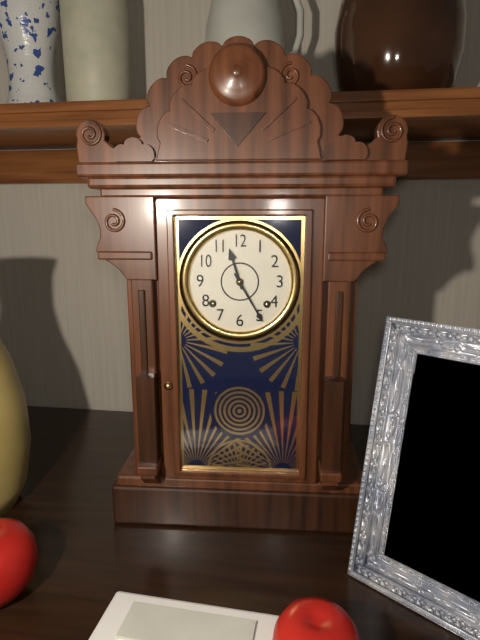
11:25
